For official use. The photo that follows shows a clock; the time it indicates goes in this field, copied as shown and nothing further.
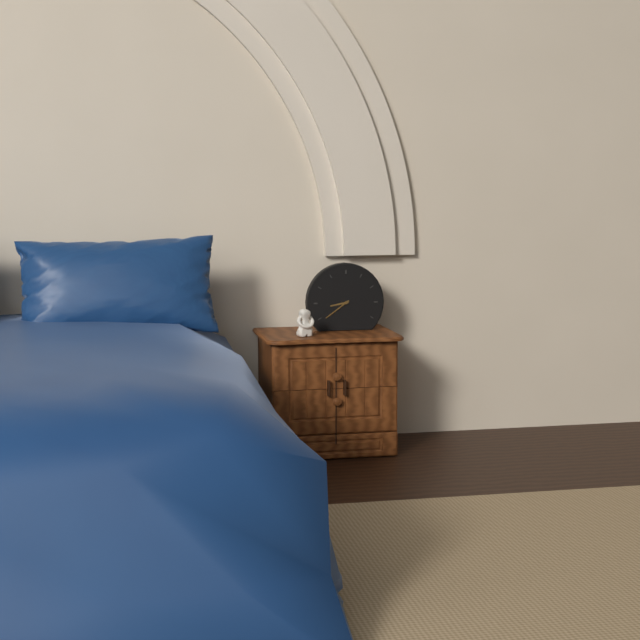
8:39
